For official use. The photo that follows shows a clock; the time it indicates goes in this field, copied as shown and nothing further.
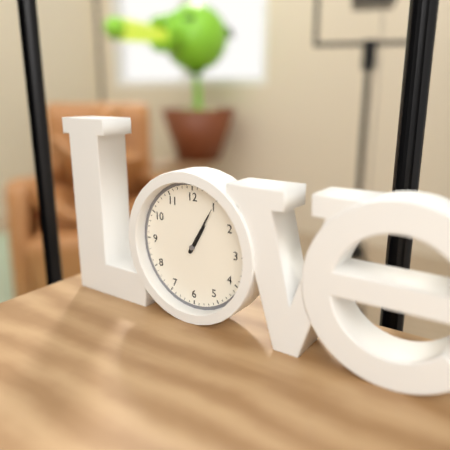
1:05
